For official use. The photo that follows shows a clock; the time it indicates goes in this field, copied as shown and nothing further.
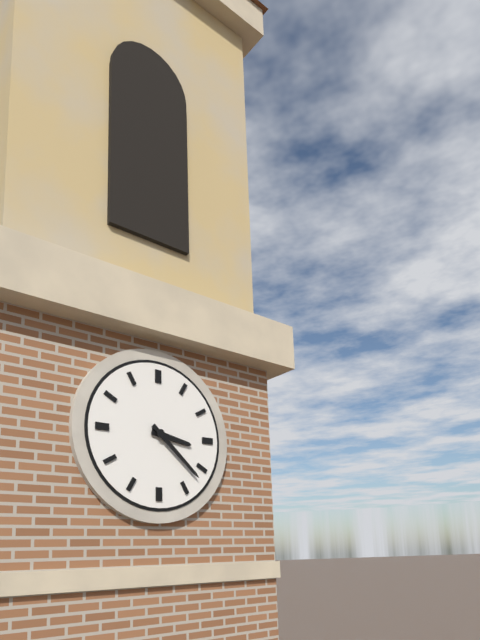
3:22
